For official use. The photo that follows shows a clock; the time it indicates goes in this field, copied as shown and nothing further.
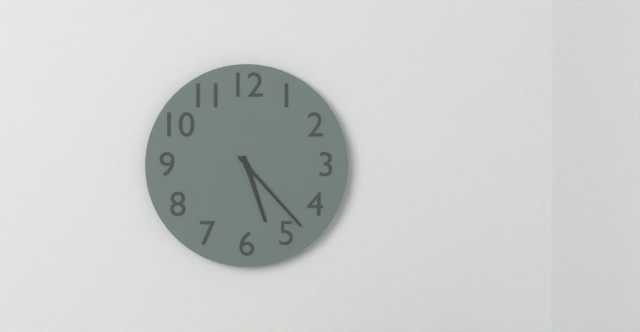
5:23
